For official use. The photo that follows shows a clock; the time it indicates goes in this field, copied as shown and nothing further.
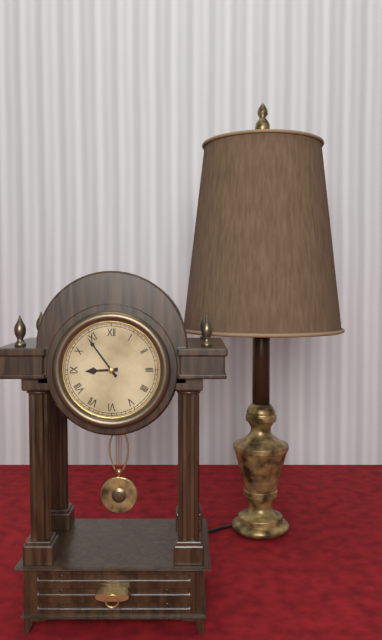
8:54
